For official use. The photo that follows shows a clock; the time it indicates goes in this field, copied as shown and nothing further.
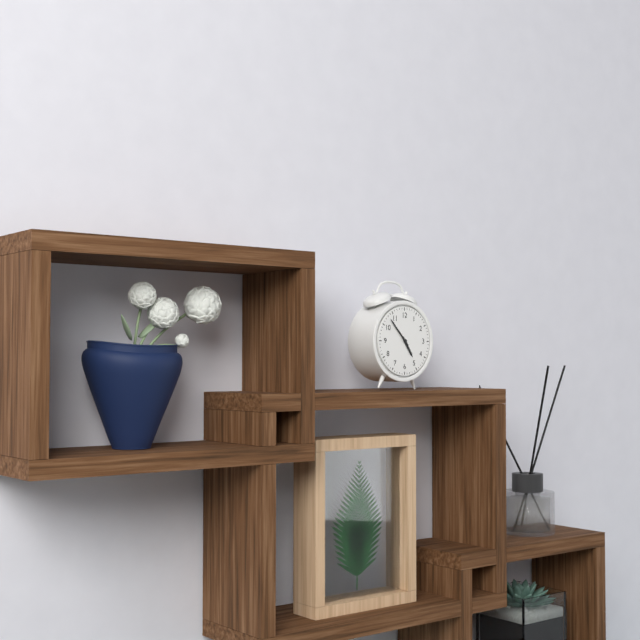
4:53
